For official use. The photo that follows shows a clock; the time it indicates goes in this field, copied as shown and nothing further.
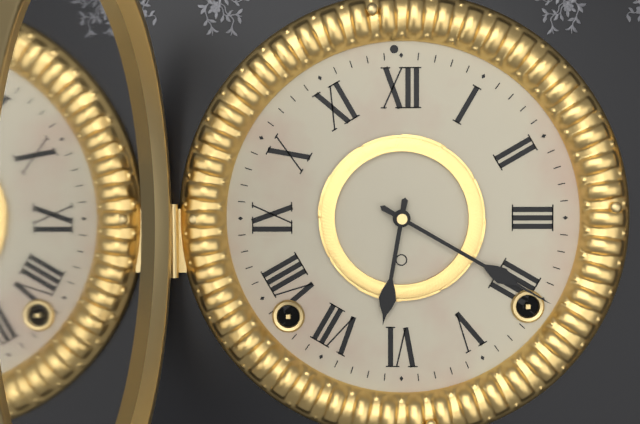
6:20
